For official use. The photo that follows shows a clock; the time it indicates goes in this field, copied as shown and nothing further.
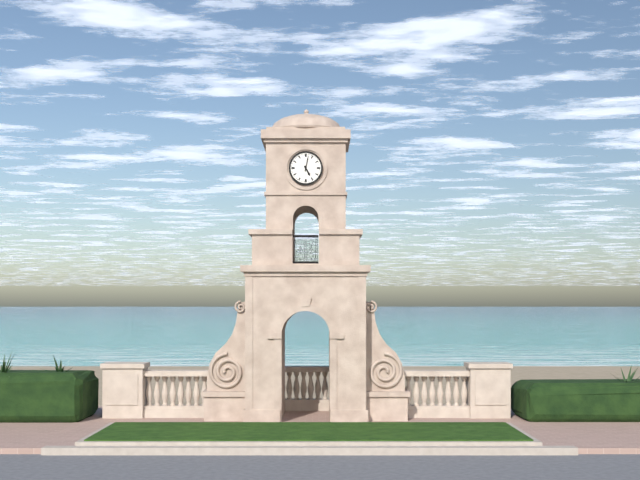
5:02
